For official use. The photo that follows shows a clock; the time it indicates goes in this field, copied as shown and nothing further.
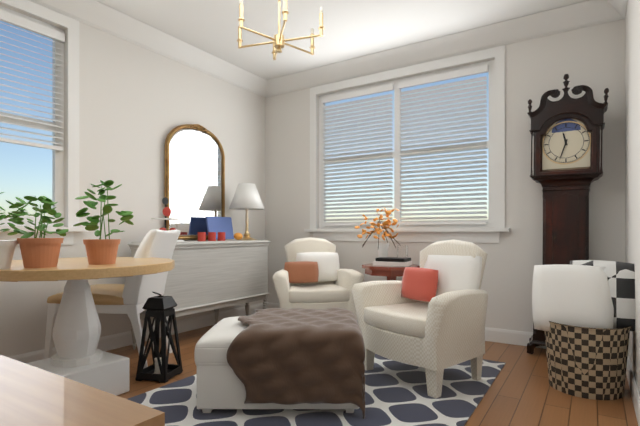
11:33
